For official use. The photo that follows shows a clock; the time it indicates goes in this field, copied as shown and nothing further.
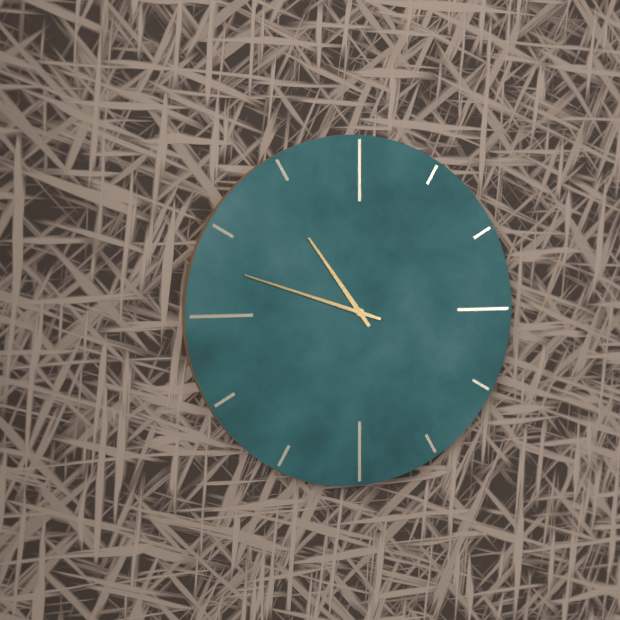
10:48
